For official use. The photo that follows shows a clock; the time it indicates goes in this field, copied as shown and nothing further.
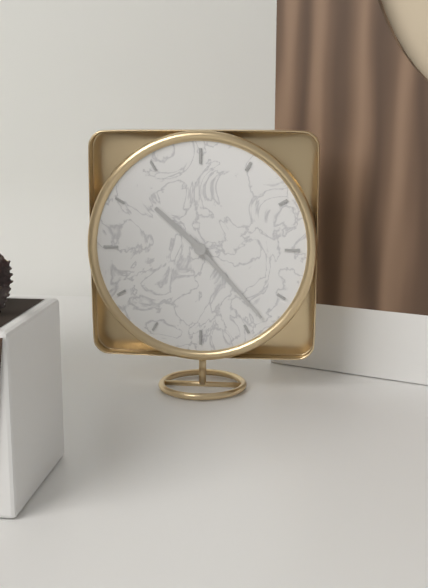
10:23
